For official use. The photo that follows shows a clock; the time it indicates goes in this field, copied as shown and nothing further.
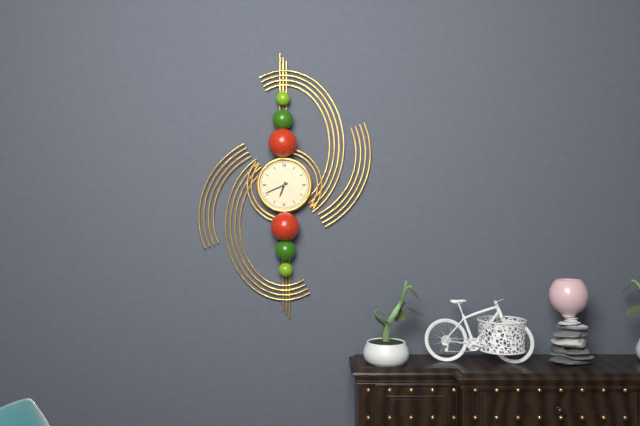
6:41
